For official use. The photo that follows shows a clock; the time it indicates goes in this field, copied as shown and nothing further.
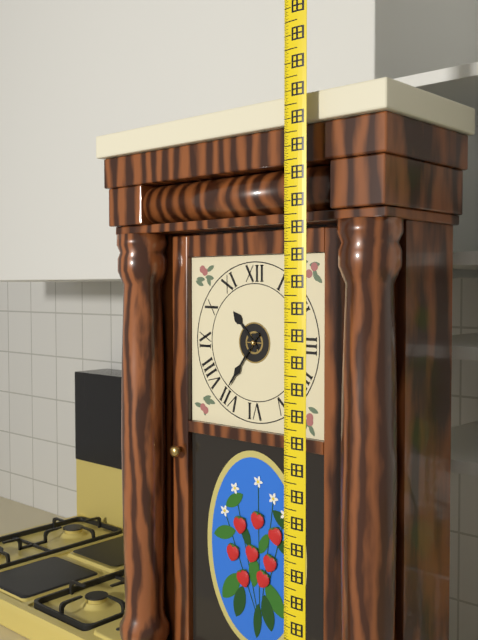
10:36
